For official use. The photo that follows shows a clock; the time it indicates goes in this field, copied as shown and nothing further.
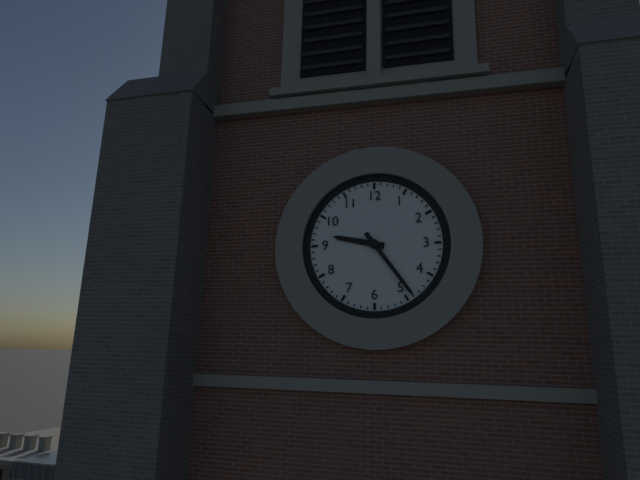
9:24
